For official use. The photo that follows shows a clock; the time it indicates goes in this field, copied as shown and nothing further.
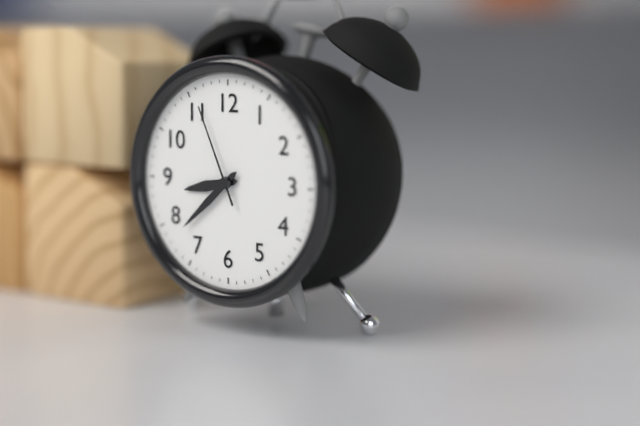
8:38:56
